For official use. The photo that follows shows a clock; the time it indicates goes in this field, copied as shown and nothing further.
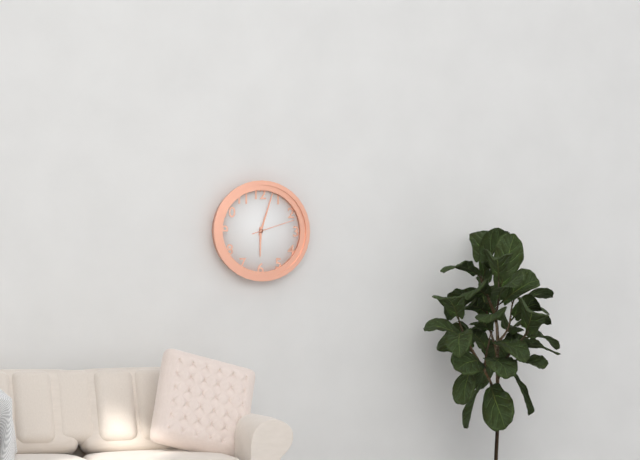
6:03
